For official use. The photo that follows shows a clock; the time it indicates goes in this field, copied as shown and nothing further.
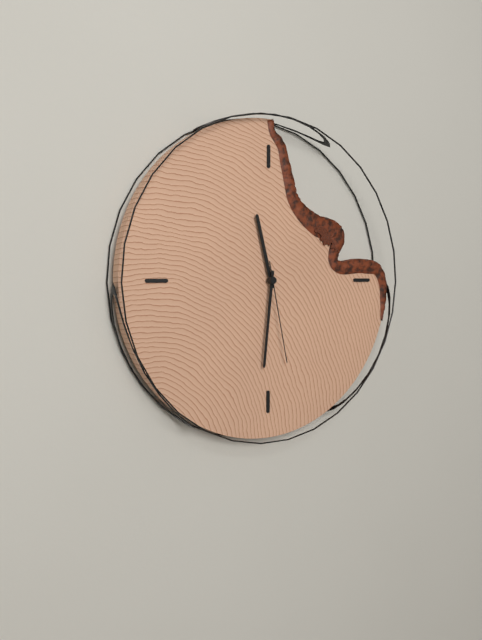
11:31:28
